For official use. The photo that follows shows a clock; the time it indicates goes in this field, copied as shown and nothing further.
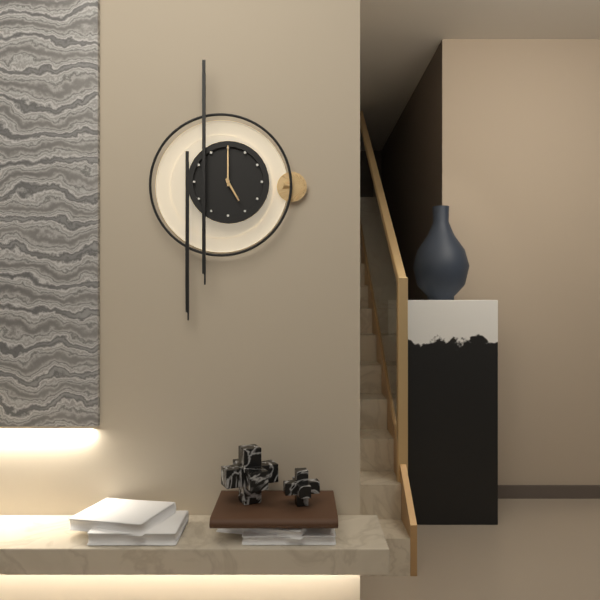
5:00
